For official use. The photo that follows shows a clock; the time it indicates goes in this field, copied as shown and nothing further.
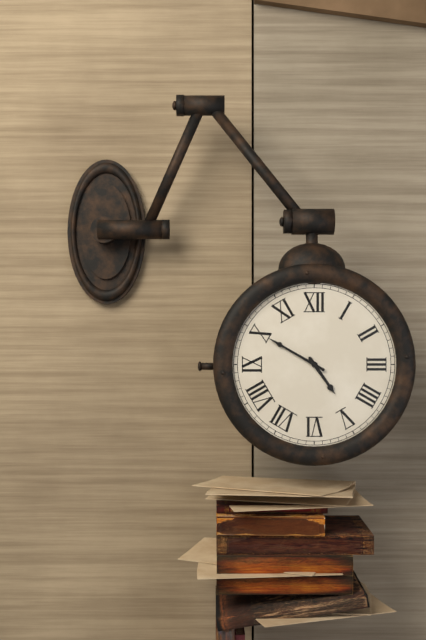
4:50
